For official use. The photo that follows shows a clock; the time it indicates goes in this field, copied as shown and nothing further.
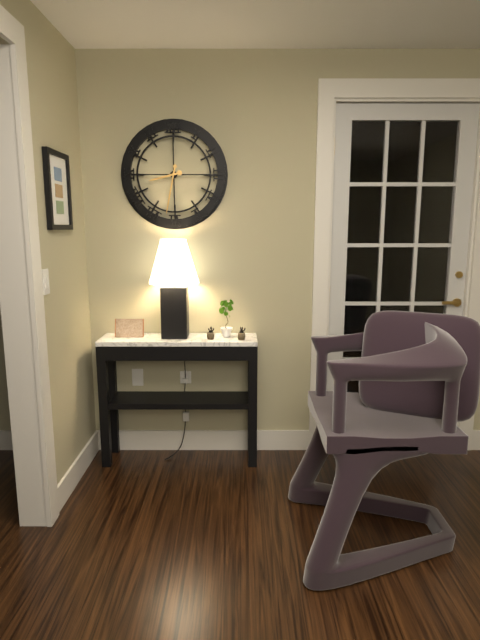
8:32
